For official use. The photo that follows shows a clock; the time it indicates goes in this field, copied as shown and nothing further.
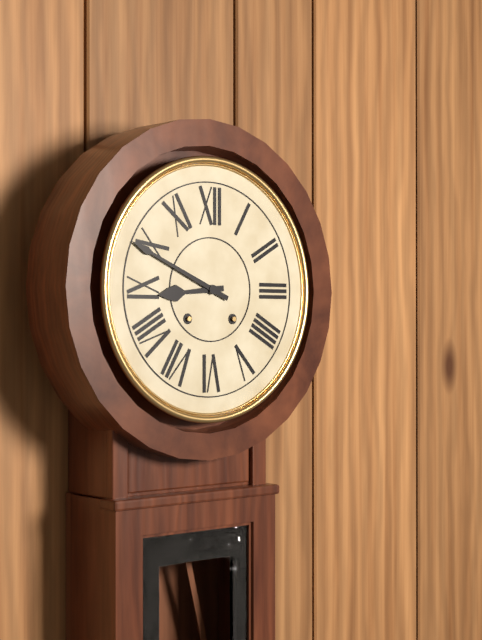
8:49
